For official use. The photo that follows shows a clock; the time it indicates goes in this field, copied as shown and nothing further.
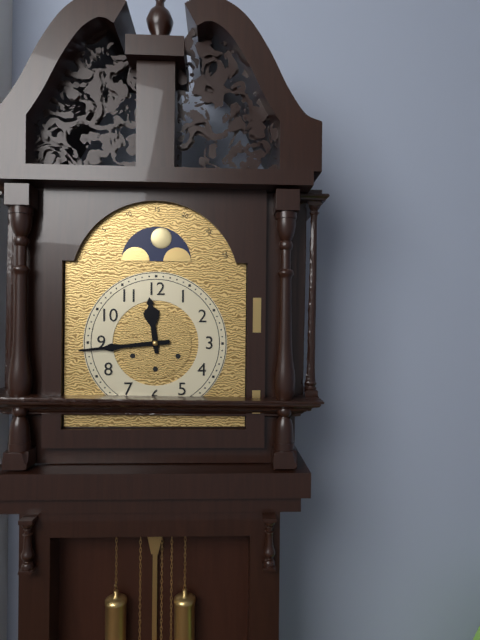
11:44
